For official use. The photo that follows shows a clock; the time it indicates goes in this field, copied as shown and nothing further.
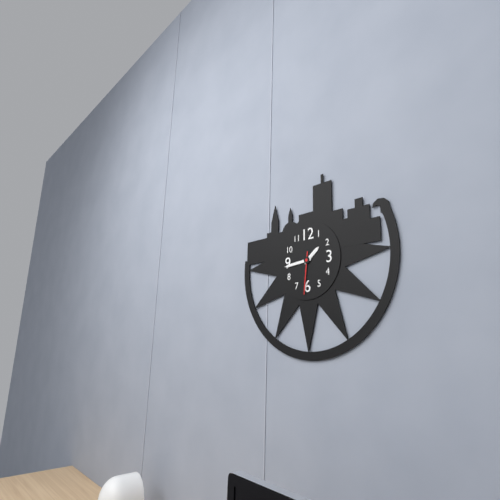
1:44
